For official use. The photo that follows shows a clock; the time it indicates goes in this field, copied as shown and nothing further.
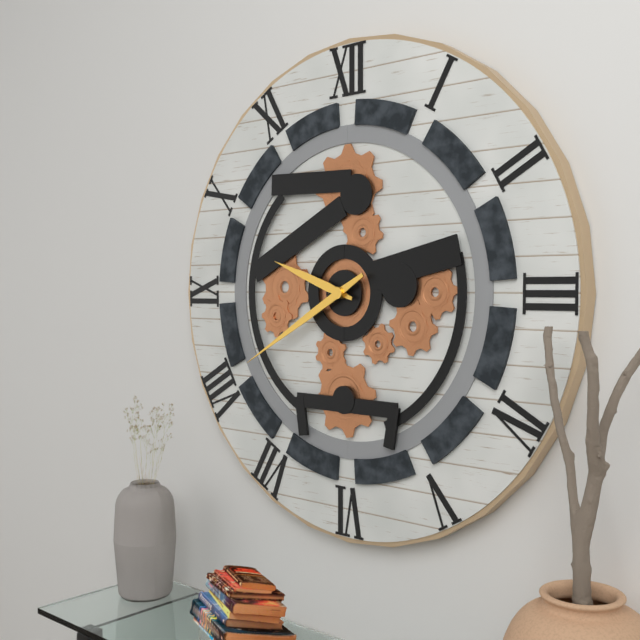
9:40
